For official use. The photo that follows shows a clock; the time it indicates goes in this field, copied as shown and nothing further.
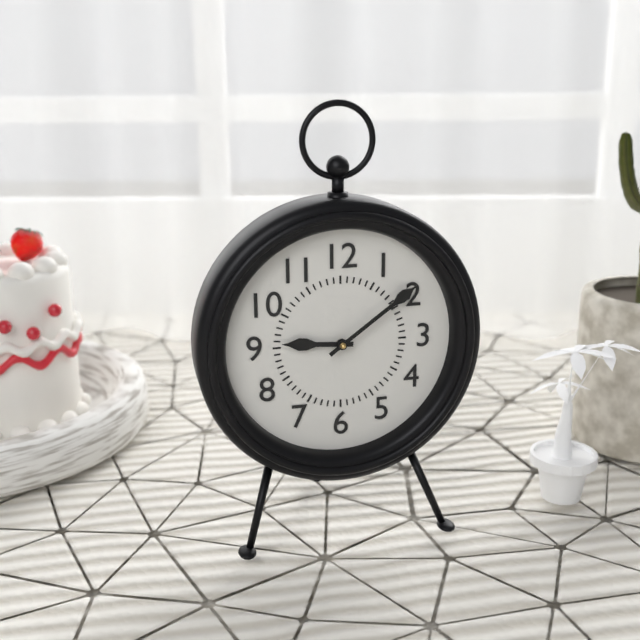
9:09
